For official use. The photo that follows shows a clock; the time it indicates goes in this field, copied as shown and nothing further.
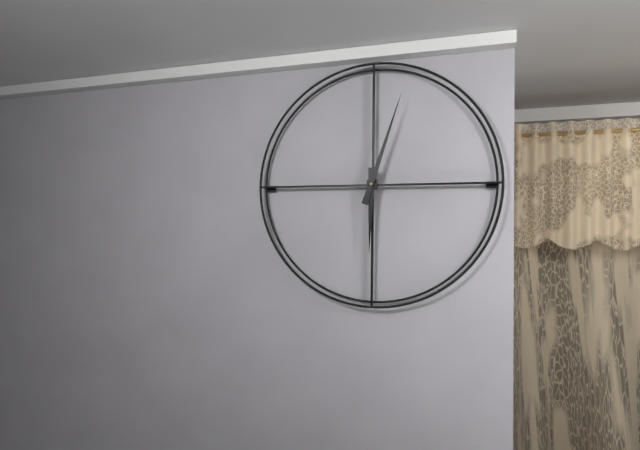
6:03
